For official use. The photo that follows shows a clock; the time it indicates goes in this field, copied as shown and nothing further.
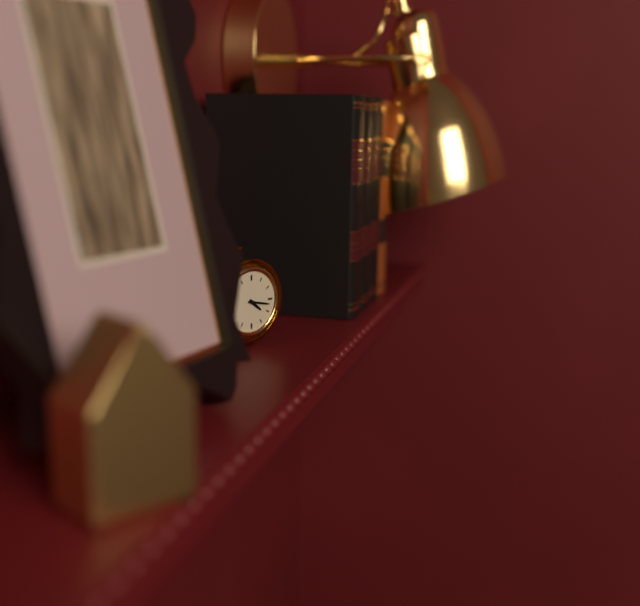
4:17
